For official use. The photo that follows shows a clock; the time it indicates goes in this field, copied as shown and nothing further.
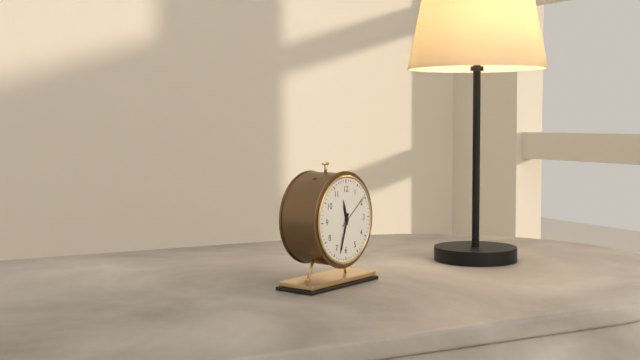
11:33
